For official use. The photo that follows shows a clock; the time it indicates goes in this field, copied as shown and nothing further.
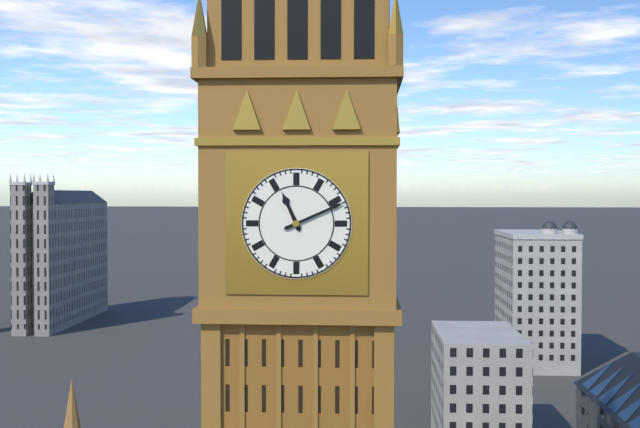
11:11
